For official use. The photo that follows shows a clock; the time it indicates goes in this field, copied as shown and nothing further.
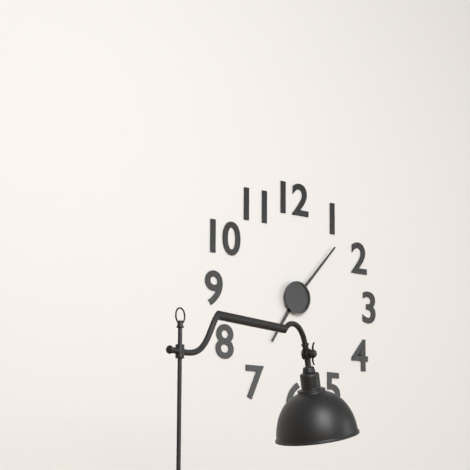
7:07
